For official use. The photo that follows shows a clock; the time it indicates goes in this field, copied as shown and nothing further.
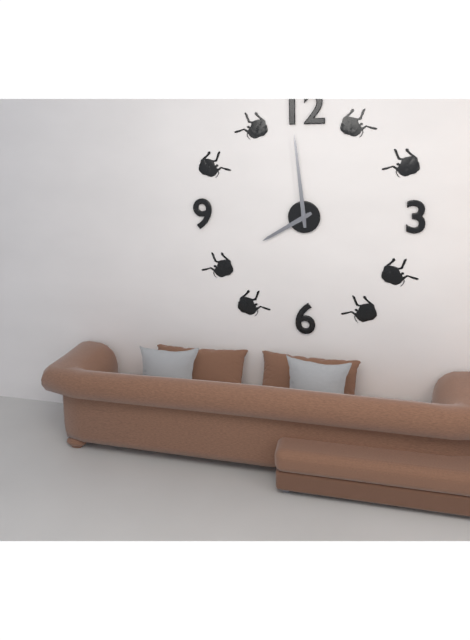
7:59
